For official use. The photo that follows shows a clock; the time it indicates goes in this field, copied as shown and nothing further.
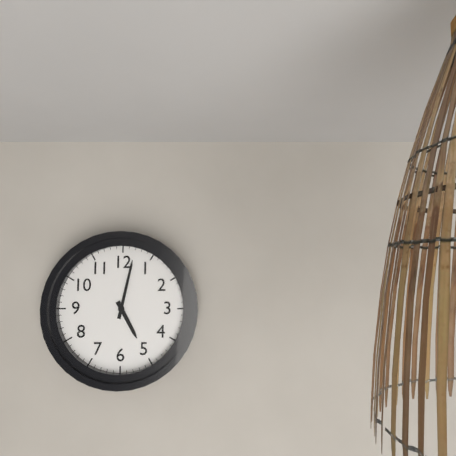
5:02
